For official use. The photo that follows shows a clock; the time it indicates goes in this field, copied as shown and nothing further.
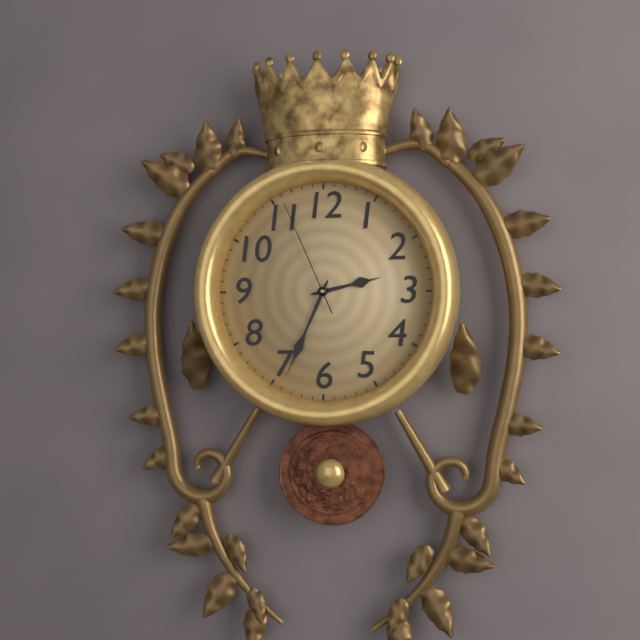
2:34:56
